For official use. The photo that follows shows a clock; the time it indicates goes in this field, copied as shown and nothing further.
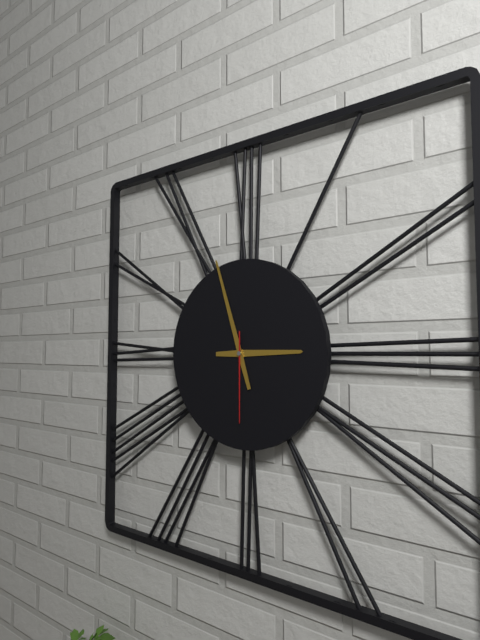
2:57:30
